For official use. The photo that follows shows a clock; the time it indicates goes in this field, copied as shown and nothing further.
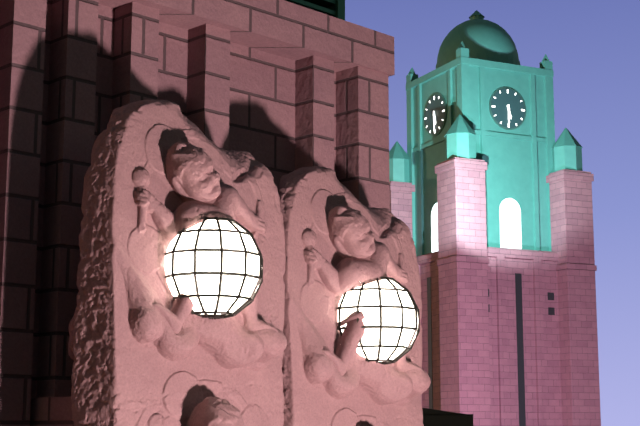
5:30
